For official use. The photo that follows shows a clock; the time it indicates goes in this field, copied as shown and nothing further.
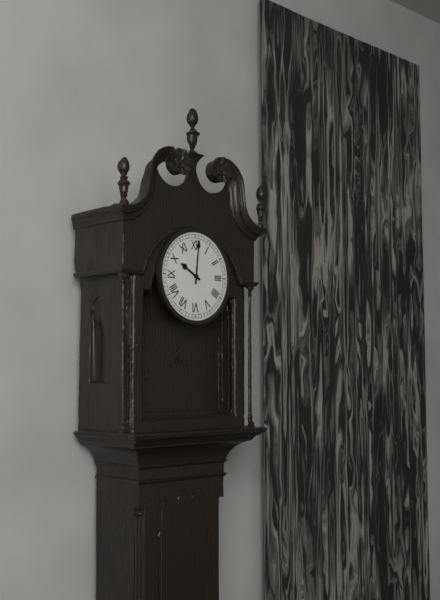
10:01
